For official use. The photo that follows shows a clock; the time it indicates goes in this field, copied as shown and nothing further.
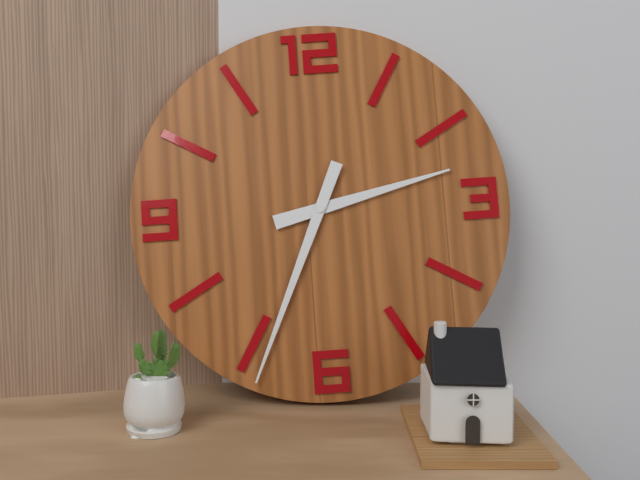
2:34
